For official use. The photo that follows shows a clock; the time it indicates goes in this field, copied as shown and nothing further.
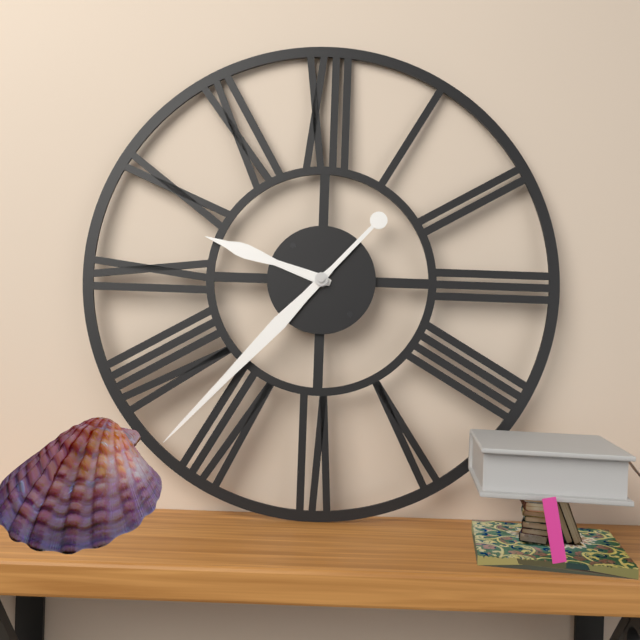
9:37
